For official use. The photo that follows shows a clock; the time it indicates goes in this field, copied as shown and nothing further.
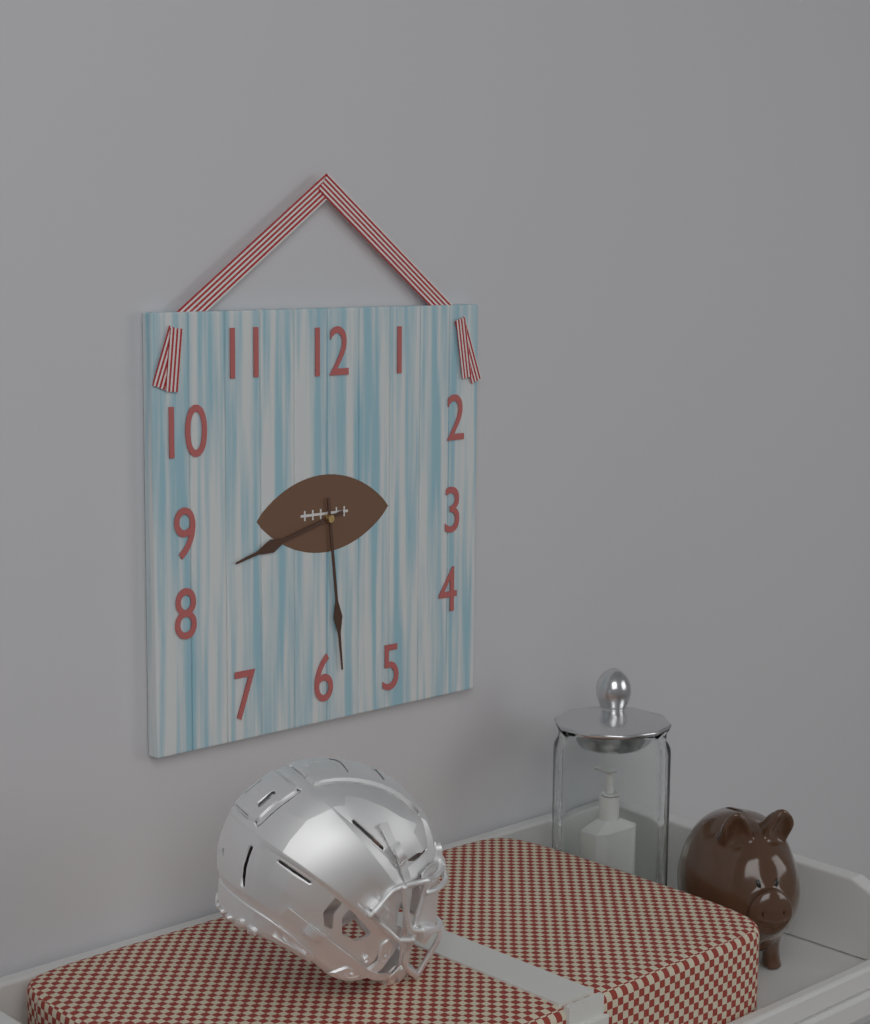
8:29
